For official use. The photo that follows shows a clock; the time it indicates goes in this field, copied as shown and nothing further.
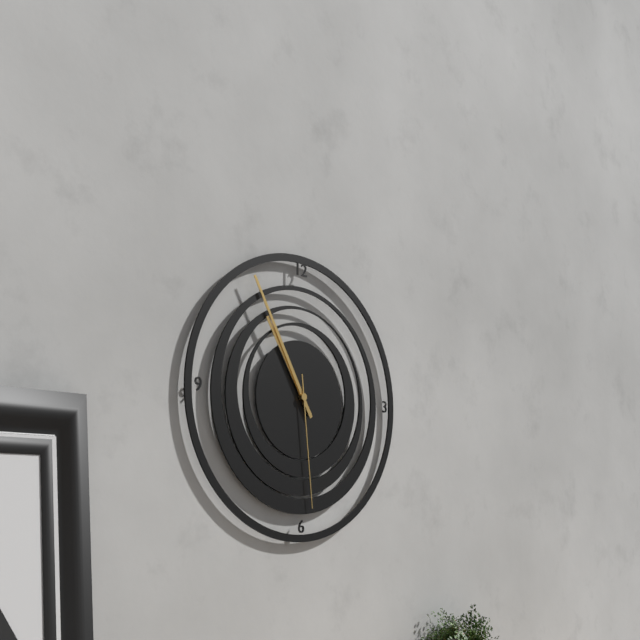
10:55:29
